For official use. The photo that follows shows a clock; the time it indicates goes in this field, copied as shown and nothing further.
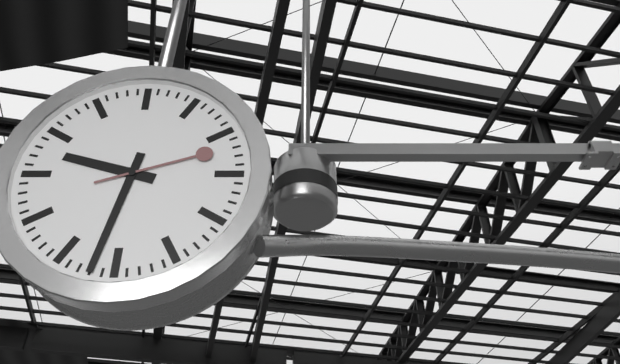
9:32:12
